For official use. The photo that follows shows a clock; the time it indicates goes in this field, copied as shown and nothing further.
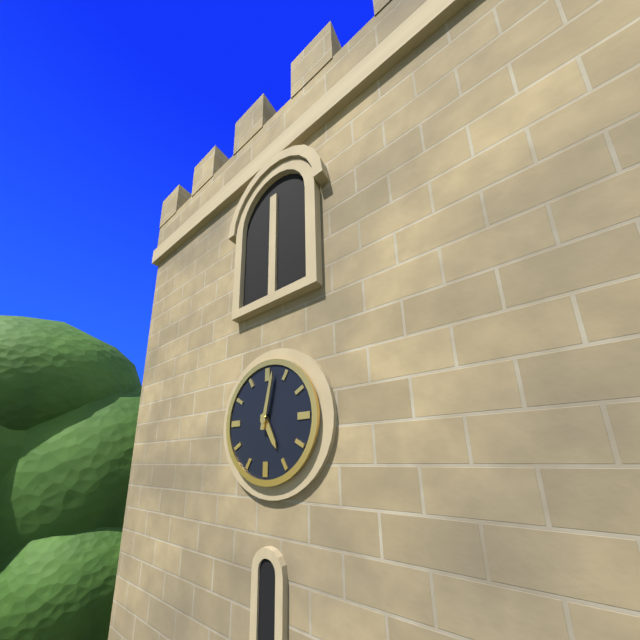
5:02
